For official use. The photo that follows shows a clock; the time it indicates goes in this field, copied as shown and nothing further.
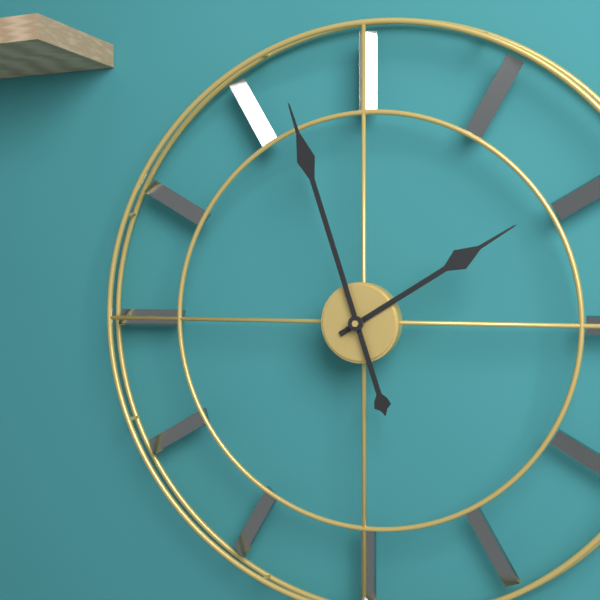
1:57
